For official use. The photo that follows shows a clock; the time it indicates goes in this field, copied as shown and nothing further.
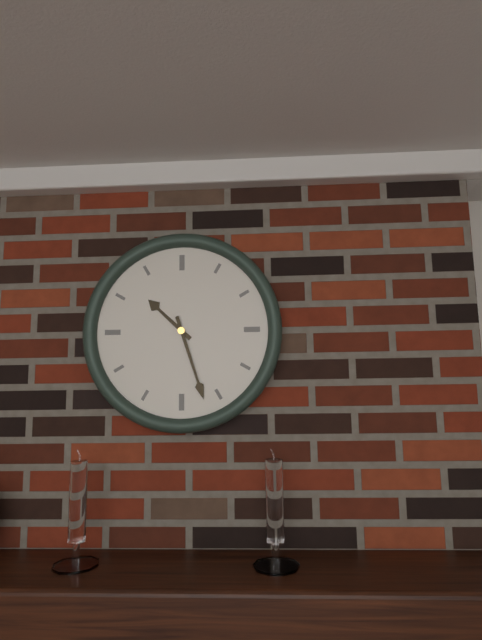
10:27
